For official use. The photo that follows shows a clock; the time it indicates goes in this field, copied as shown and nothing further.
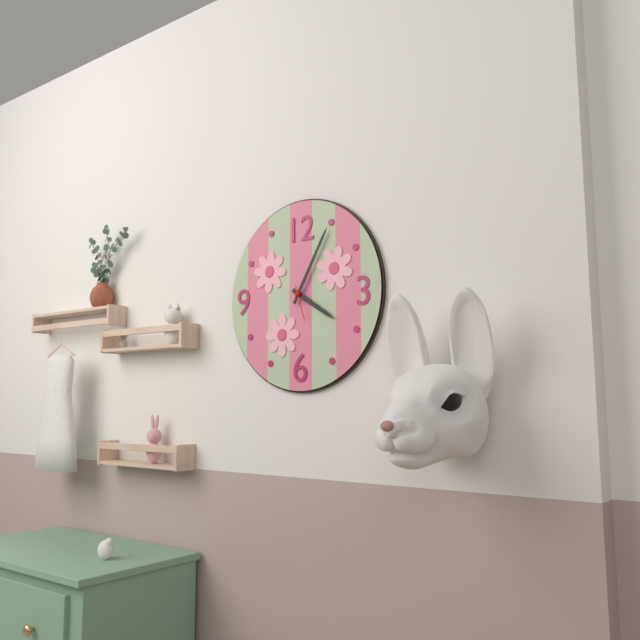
4:05
